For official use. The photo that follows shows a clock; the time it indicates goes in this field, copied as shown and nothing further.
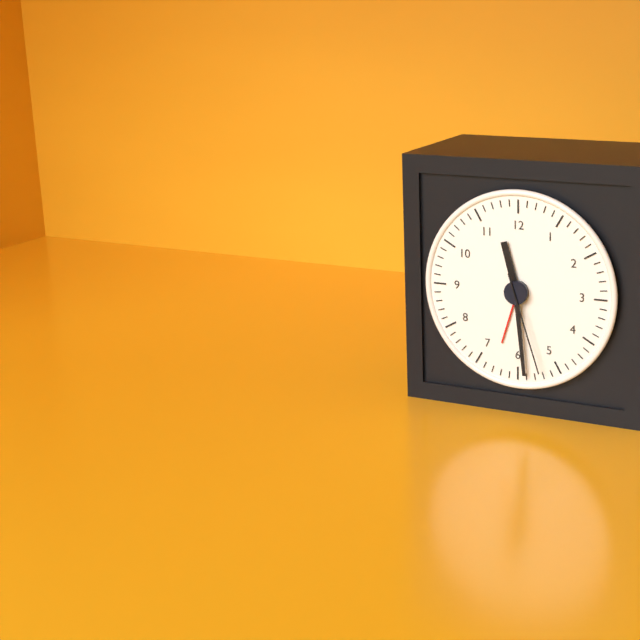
11:29:27
